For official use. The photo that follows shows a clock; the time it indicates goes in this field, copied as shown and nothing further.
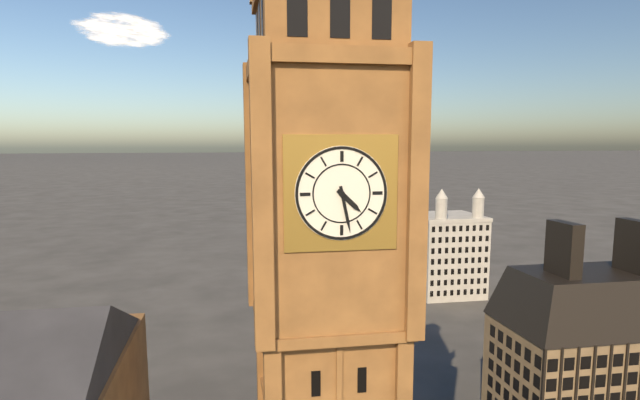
4:28
